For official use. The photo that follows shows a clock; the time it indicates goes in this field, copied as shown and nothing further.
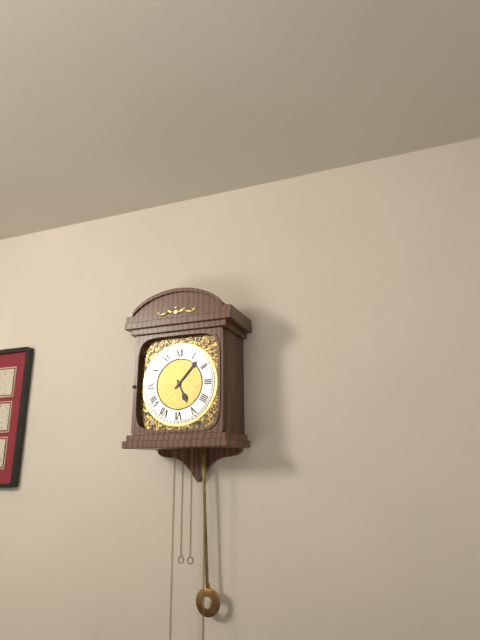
5:07
